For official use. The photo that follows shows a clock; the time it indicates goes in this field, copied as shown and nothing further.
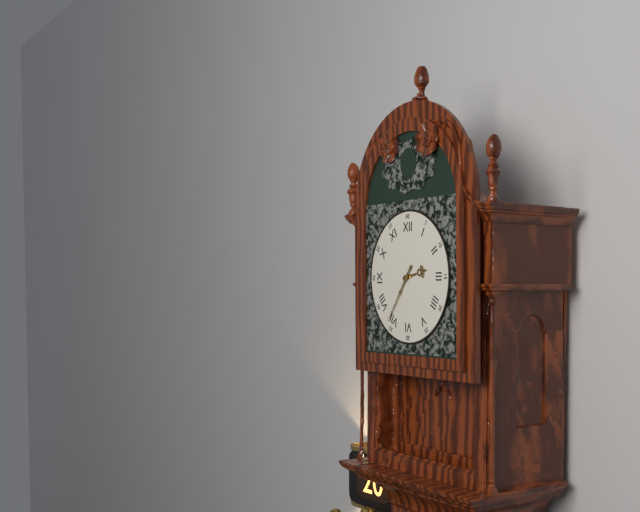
2:36
